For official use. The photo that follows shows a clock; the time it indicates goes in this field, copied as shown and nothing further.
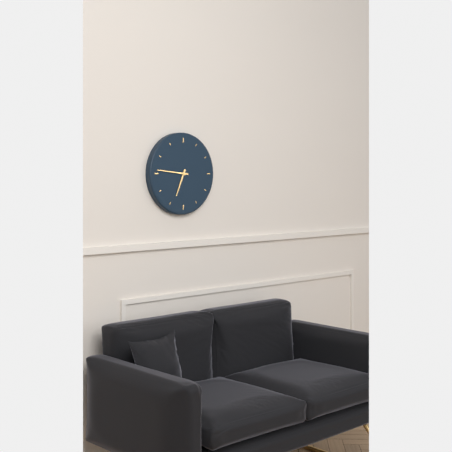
6:46
